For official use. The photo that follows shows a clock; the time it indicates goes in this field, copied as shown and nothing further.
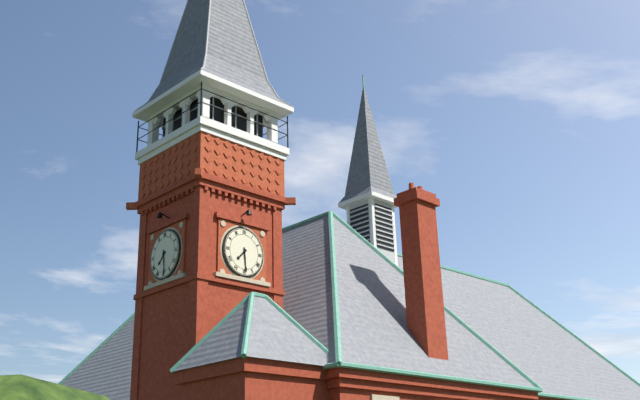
7:29
